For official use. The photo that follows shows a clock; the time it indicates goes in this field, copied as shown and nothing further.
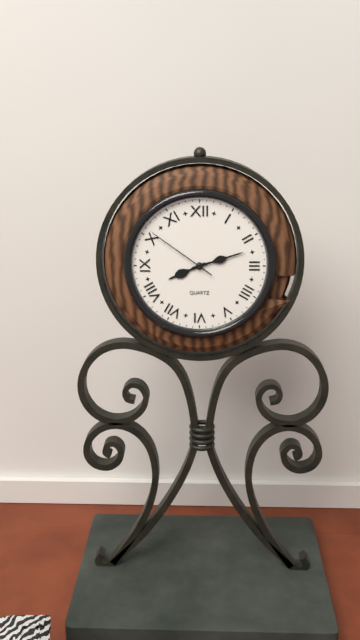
8:12:51
